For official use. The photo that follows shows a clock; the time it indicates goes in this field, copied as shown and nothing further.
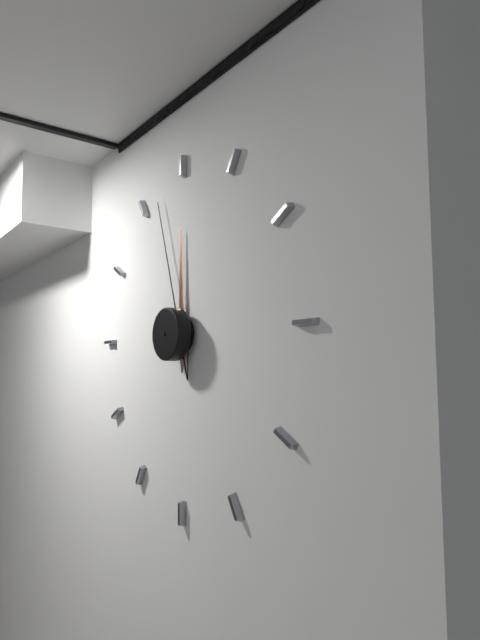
11:57
